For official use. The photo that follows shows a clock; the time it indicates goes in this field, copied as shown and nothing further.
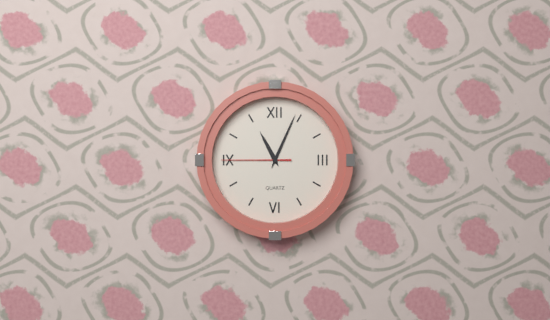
11:04:45
